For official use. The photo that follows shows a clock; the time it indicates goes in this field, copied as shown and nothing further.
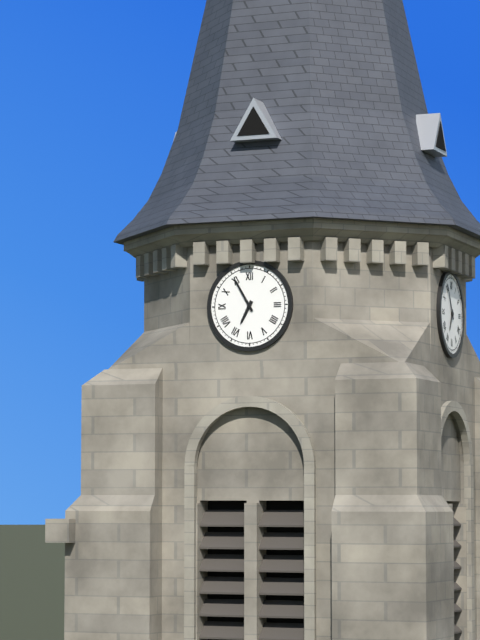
6:55
